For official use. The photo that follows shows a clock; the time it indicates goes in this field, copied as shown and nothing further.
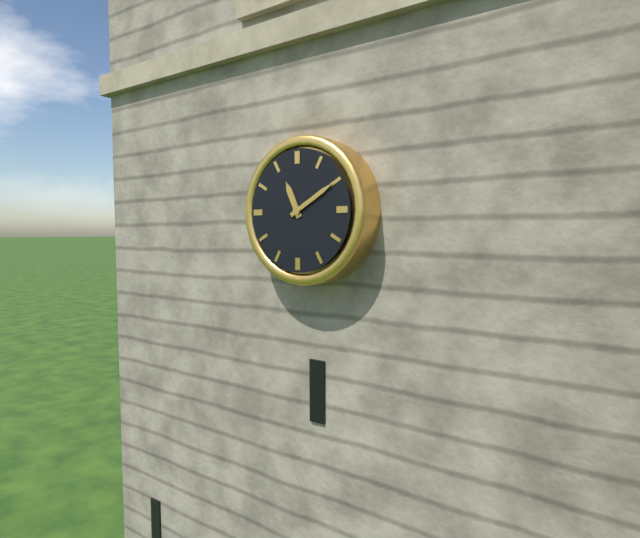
11:10
